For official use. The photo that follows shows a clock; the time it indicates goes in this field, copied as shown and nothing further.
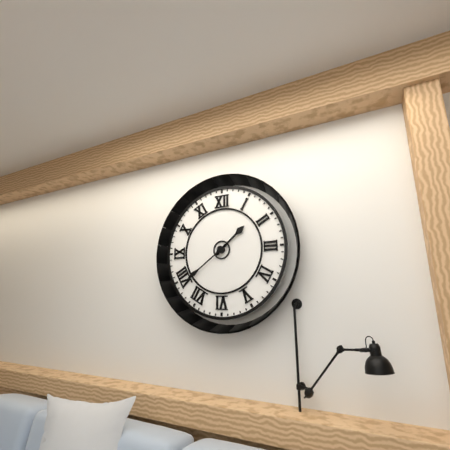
1:39
